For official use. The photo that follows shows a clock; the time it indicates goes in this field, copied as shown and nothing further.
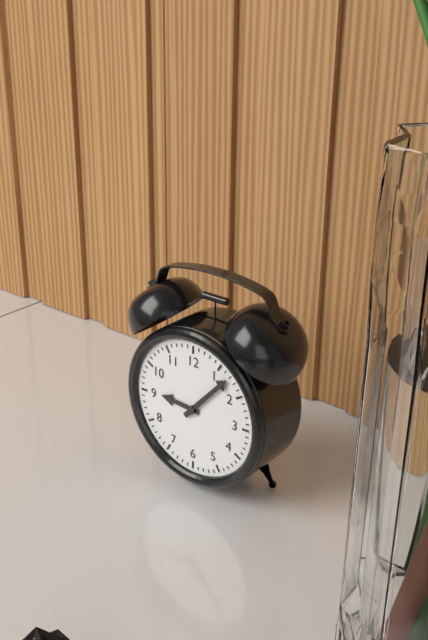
9:07
